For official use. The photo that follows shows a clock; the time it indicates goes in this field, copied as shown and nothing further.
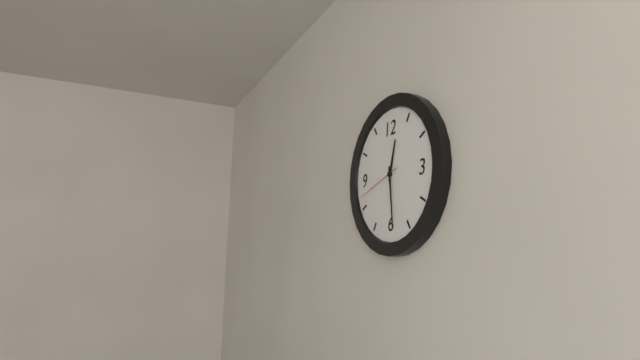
12:29
